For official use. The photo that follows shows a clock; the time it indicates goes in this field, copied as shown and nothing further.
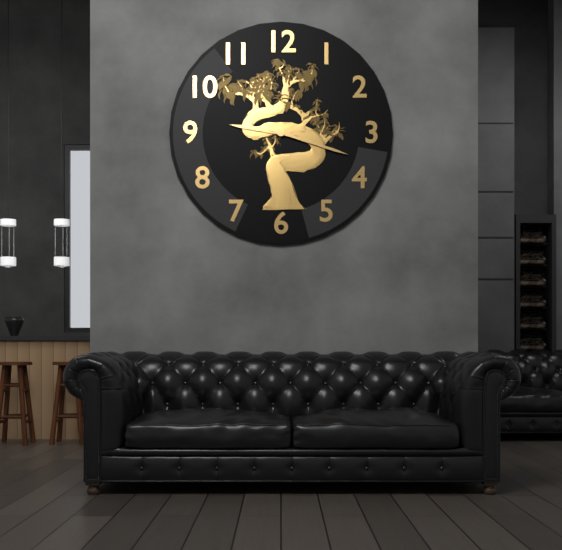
9:18
